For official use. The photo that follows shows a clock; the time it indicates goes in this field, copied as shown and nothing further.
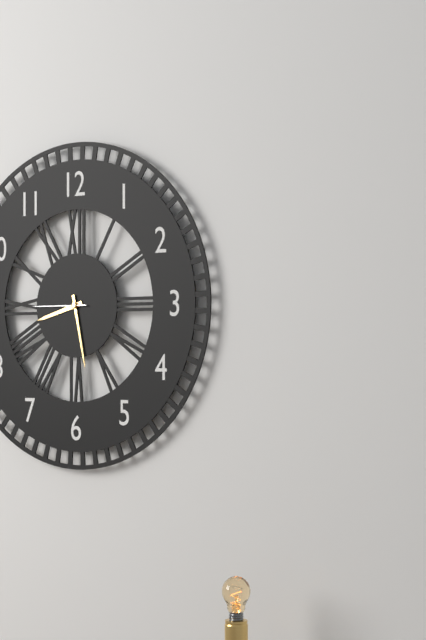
8:28:45
